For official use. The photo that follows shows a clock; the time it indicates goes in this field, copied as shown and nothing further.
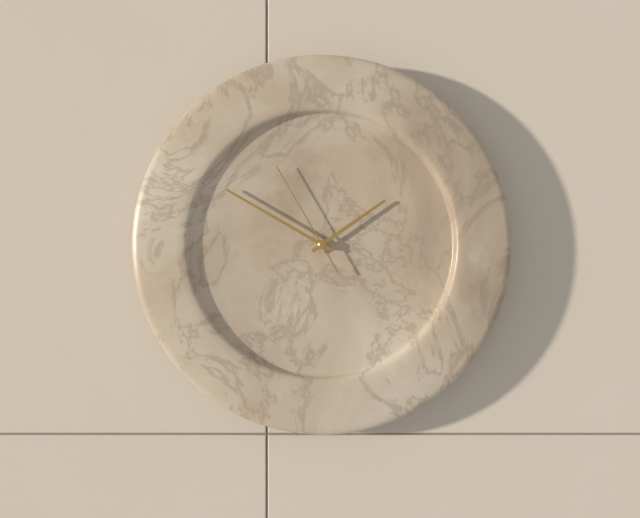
1:50:55
